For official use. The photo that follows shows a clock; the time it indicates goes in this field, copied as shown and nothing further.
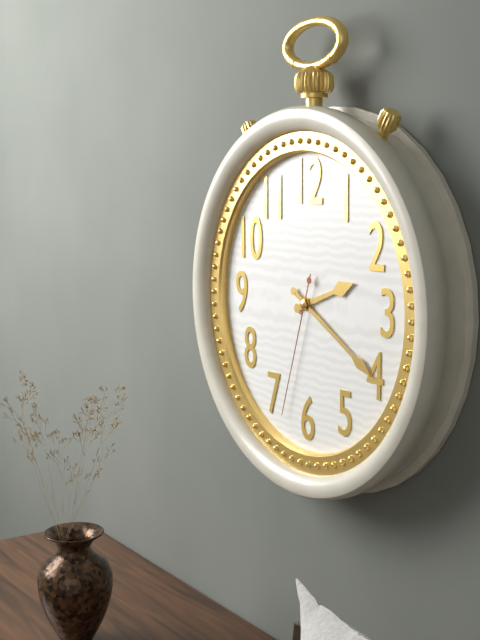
2:20:33
